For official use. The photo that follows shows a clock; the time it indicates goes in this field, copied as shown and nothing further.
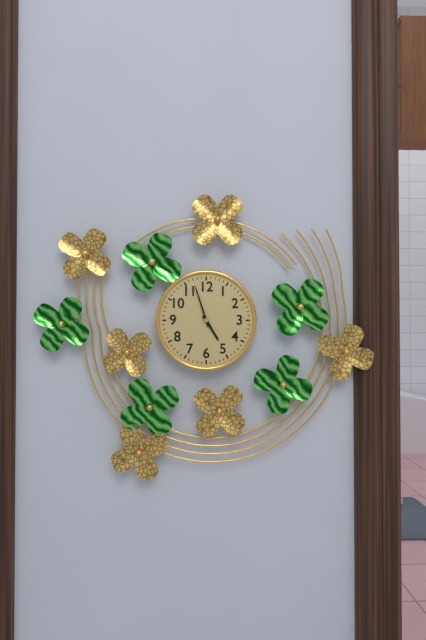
4:57
